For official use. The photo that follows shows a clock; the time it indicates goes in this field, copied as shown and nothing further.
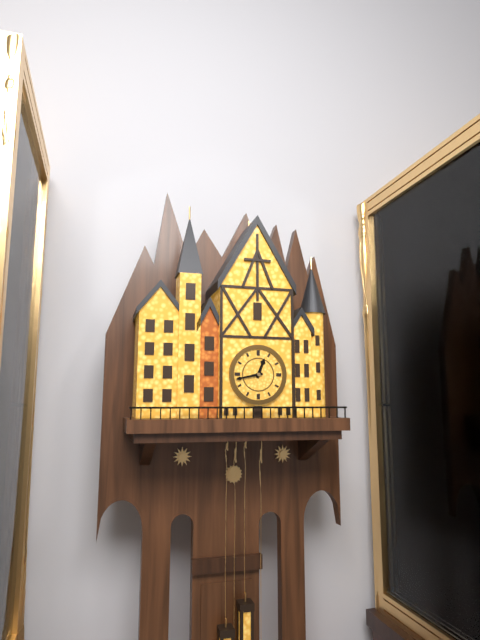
12:43
